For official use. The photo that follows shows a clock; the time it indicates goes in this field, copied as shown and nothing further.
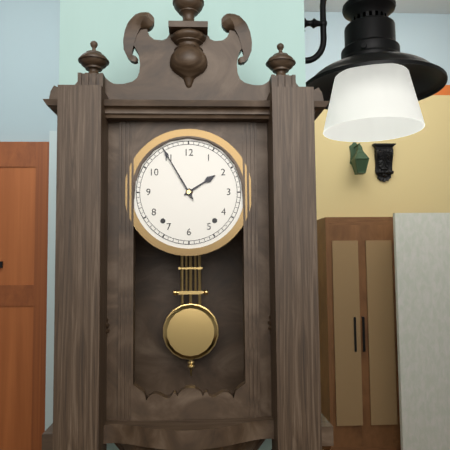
1:55
